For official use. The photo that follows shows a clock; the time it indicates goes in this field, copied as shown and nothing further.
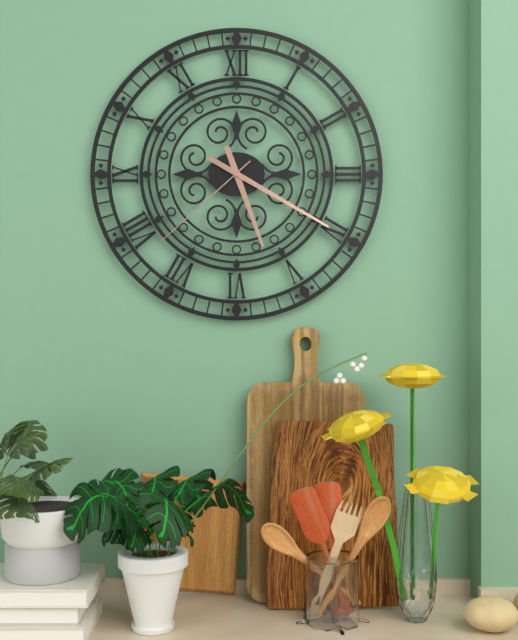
5:20:38
